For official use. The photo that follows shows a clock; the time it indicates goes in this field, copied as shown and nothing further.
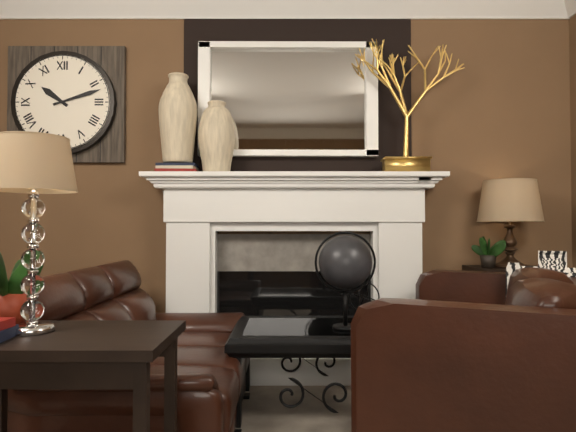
10:12
